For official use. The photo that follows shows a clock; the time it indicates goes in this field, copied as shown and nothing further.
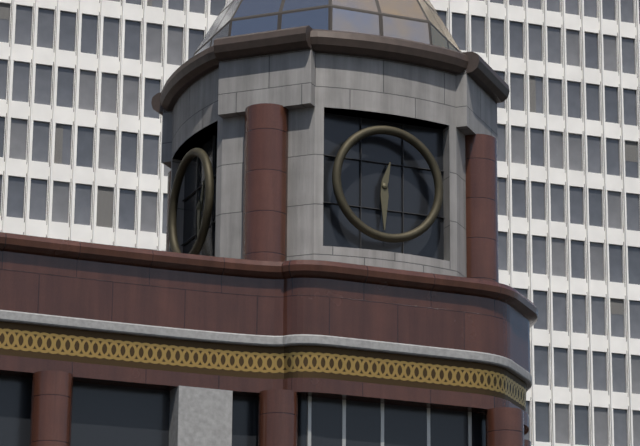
12:30
